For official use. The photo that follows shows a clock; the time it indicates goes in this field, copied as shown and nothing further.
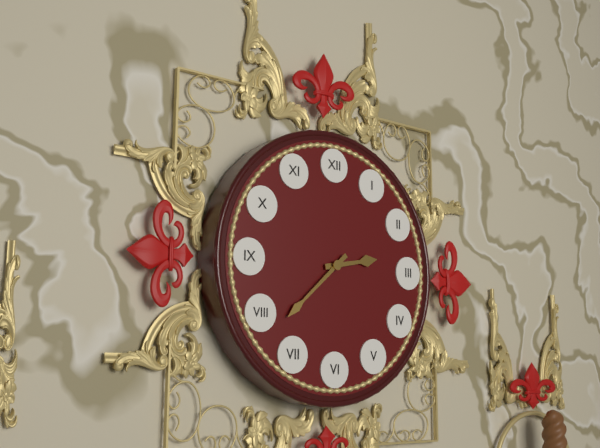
2:38
